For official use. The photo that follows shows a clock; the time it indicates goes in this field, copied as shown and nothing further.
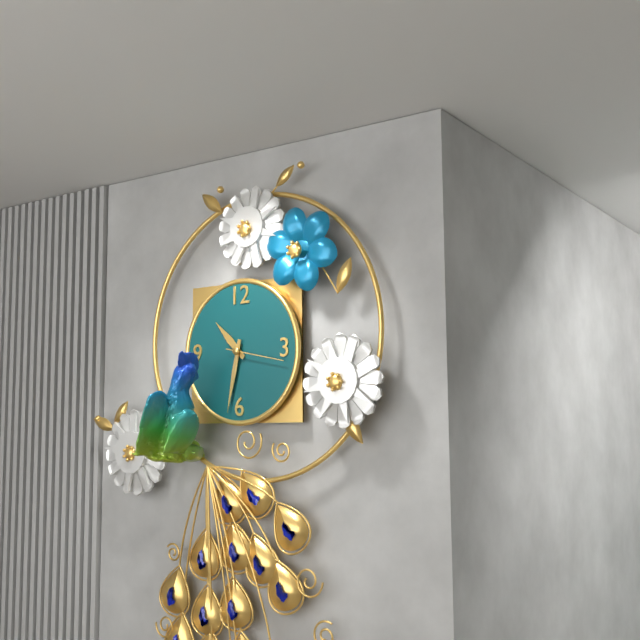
10:32:17
